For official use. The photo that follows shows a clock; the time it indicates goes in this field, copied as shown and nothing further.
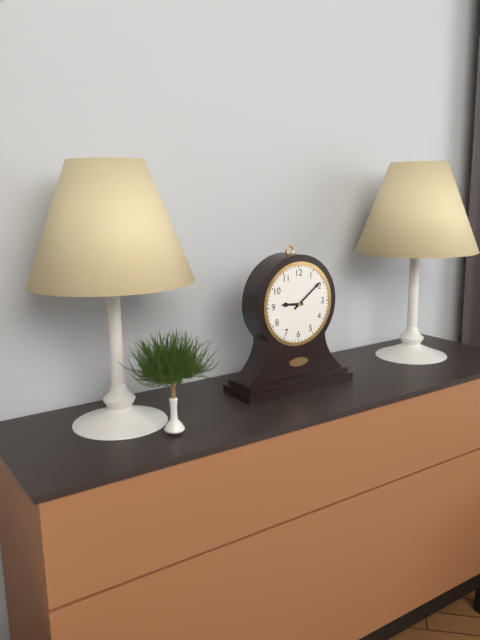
9:09
